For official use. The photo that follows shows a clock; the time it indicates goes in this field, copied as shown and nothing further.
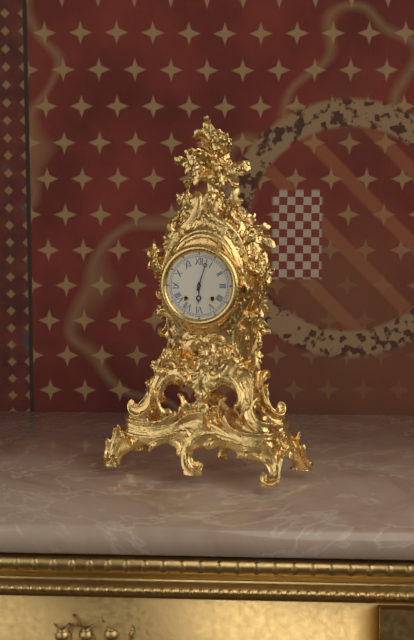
6:03
